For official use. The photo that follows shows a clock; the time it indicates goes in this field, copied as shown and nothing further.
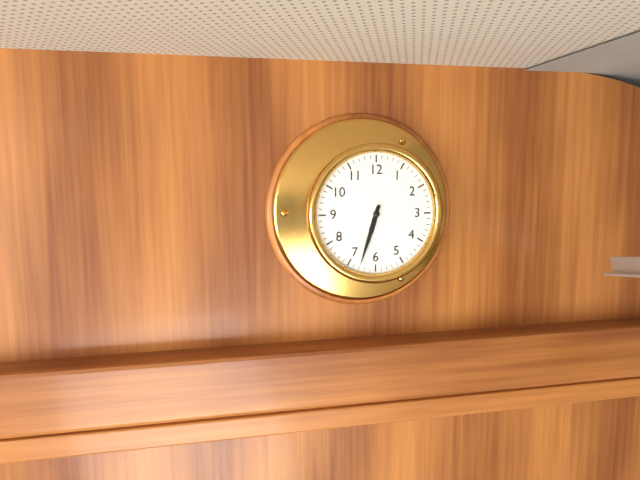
6:33
